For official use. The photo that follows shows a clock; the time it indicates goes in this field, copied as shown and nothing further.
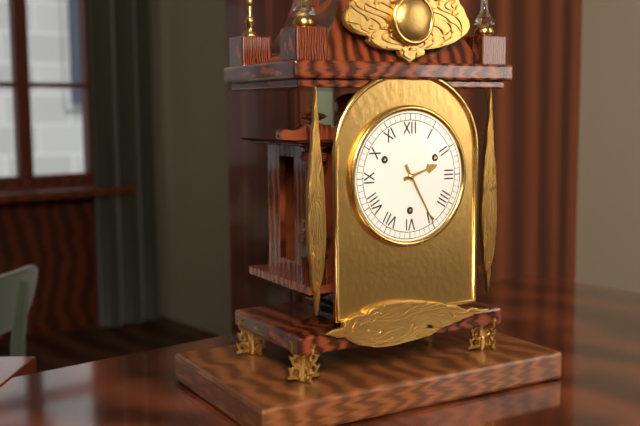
2:25
